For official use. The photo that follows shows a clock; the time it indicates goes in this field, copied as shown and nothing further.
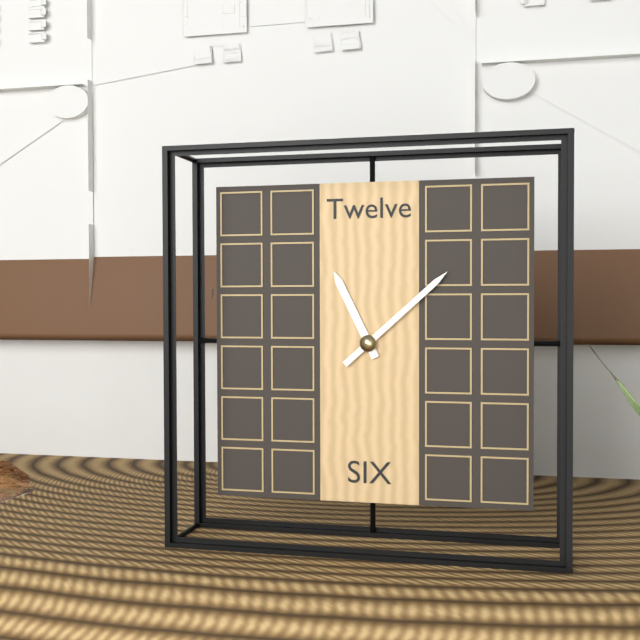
11:08
